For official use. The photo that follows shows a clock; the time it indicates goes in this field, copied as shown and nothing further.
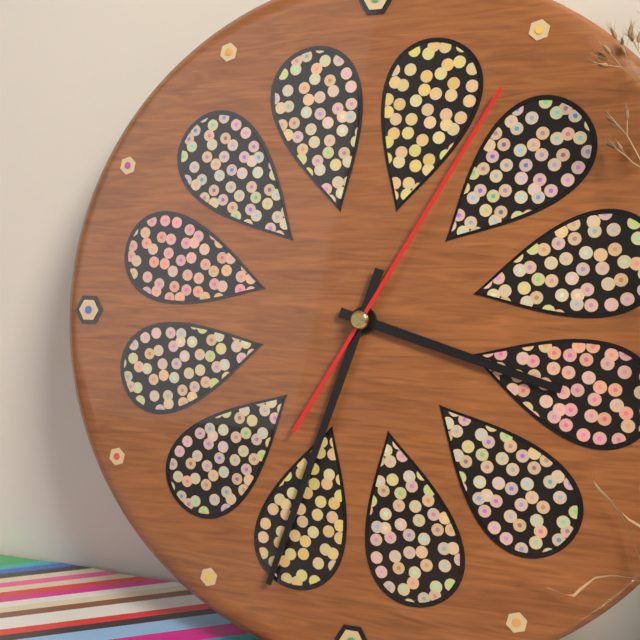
3:33:05
